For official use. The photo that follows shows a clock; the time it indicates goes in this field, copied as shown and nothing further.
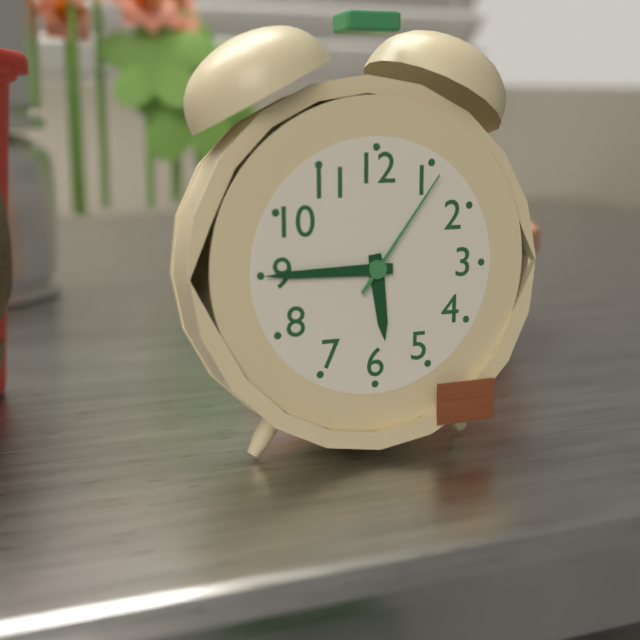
5:45:06
